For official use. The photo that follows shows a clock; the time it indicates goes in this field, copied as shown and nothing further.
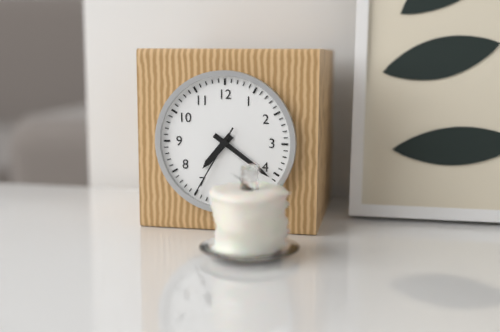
7:21:35
